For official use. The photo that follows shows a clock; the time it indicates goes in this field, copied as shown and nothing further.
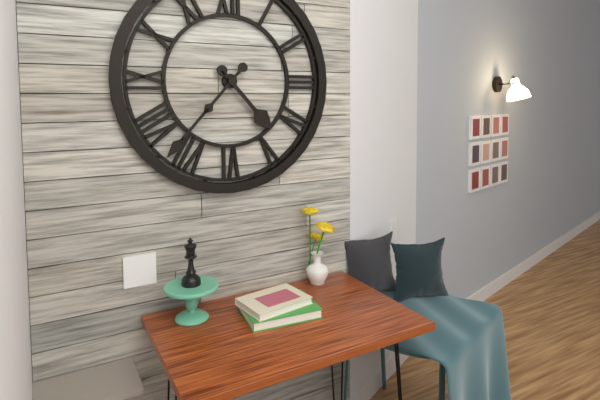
4:37
